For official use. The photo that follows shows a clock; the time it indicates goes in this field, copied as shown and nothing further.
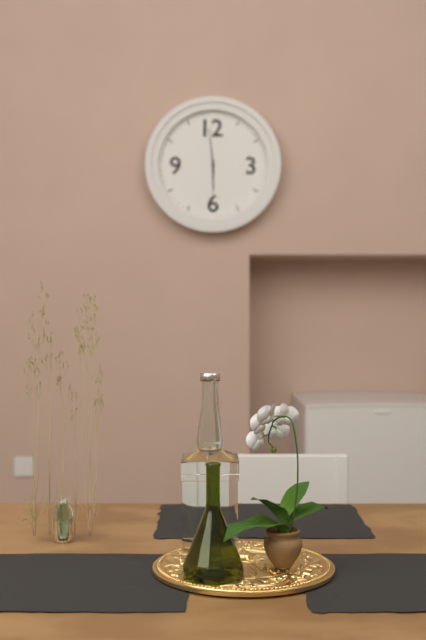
5:59
